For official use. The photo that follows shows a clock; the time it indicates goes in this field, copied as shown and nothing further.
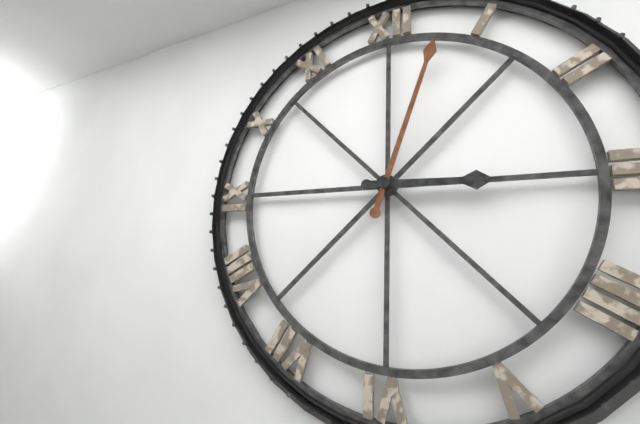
3:03
